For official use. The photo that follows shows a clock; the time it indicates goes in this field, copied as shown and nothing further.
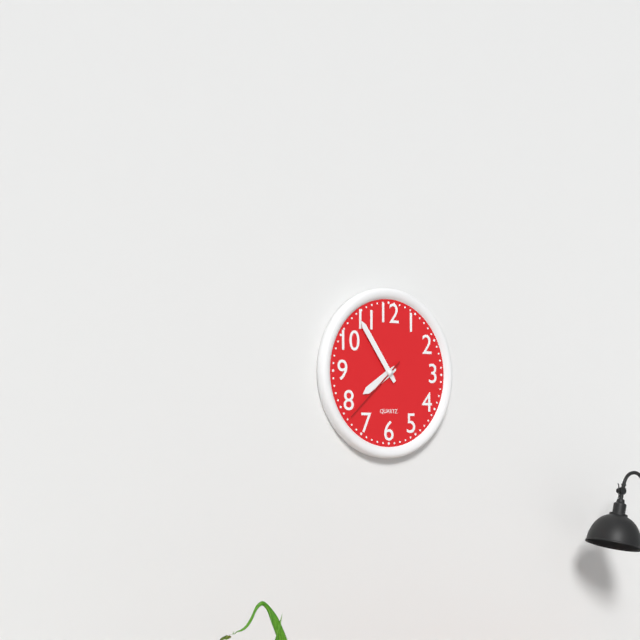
7:54:38
